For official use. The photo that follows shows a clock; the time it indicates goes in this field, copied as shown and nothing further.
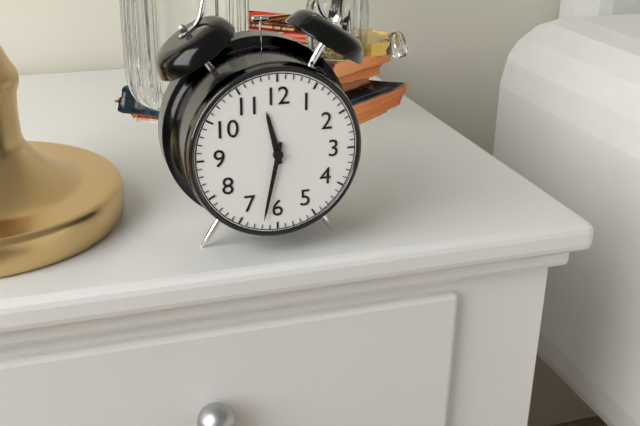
11:32
